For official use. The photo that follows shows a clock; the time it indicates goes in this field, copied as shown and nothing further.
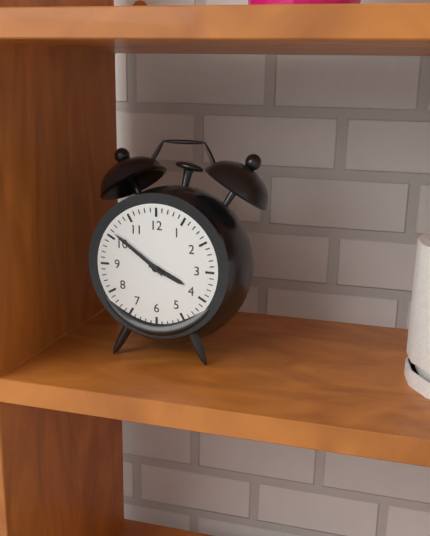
3:51
